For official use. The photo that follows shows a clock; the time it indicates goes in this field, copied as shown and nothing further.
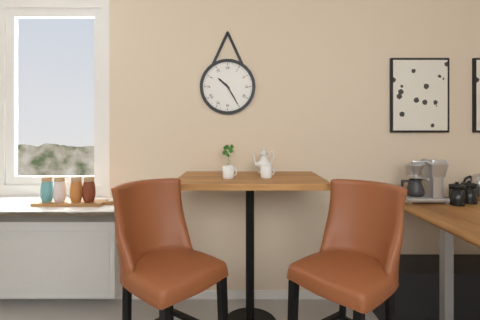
10:25
